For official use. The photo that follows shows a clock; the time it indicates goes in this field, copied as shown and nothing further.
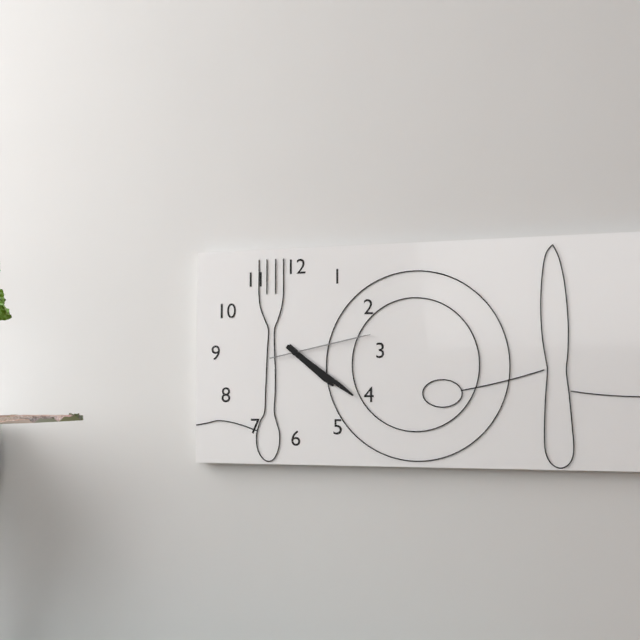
4:21:13
